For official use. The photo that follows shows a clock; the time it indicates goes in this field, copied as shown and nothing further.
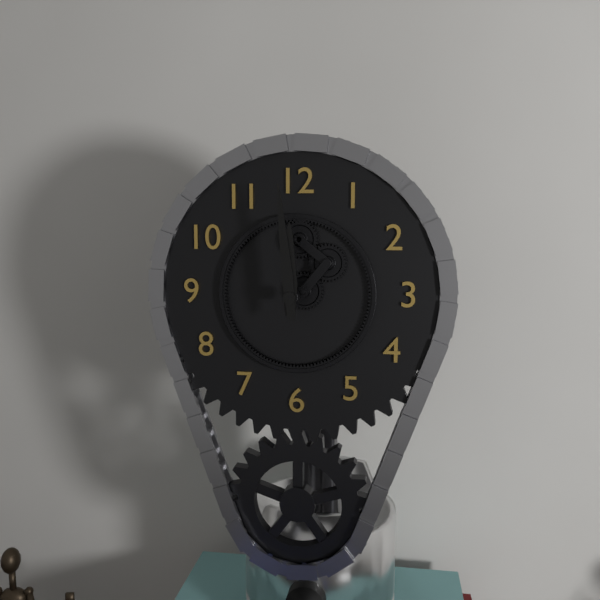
11:59
